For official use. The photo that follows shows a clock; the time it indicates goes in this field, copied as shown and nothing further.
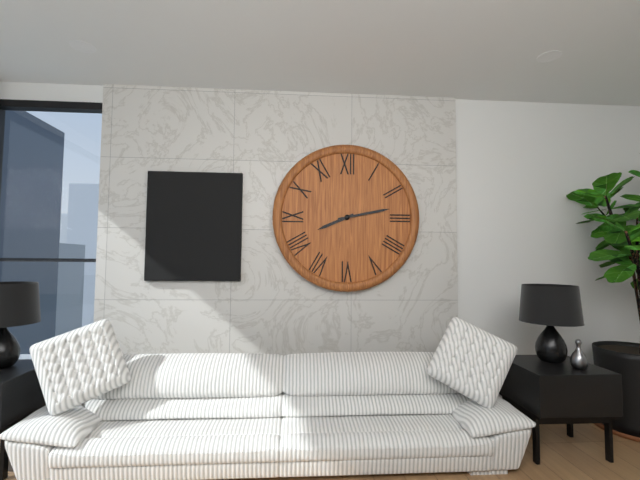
8:13
